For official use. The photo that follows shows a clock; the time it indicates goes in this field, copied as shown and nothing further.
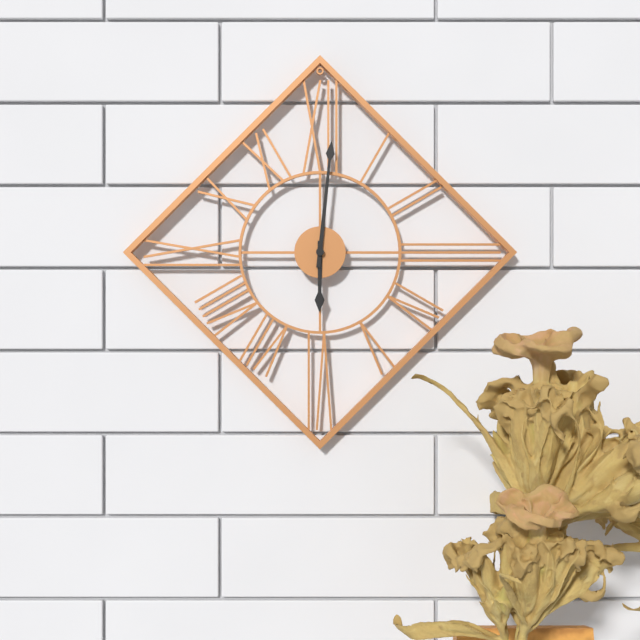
6:01
